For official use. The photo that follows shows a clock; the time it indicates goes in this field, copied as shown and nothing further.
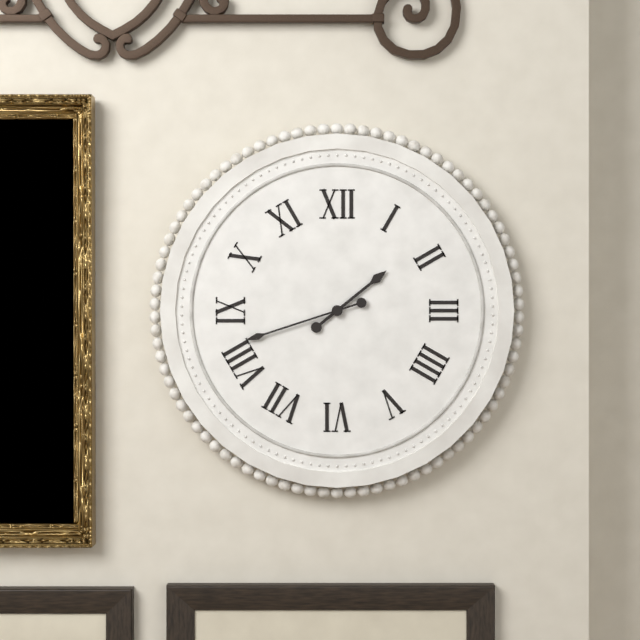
1:42
